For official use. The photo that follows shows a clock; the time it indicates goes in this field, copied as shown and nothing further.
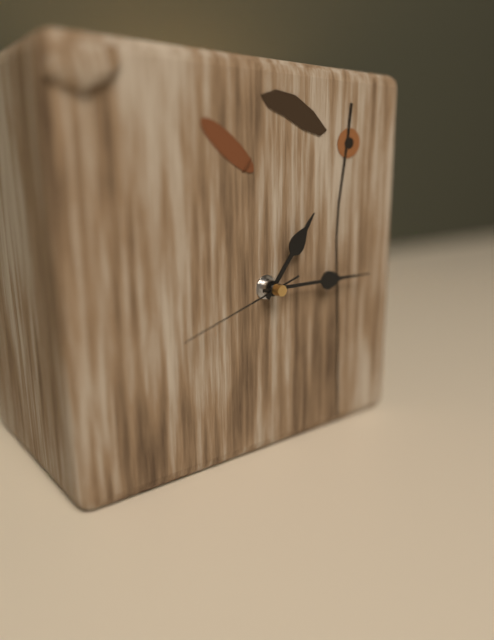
1:15:42
